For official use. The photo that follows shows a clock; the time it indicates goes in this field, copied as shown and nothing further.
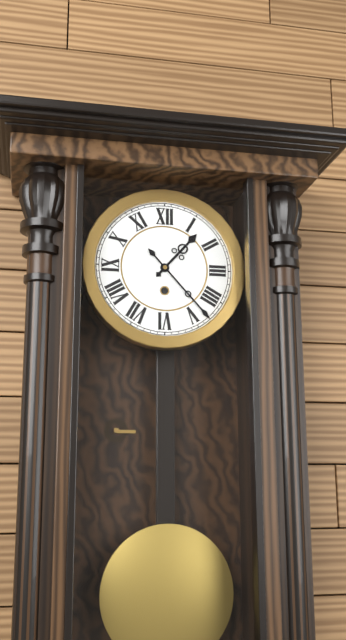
1:23
